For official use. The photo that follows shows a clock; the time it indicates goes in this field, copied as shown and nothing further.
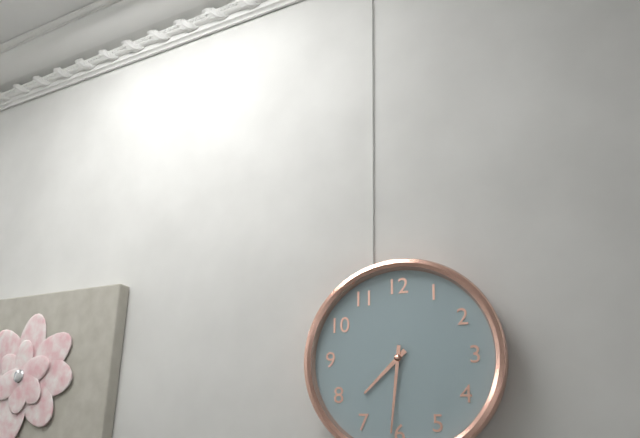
7:31
